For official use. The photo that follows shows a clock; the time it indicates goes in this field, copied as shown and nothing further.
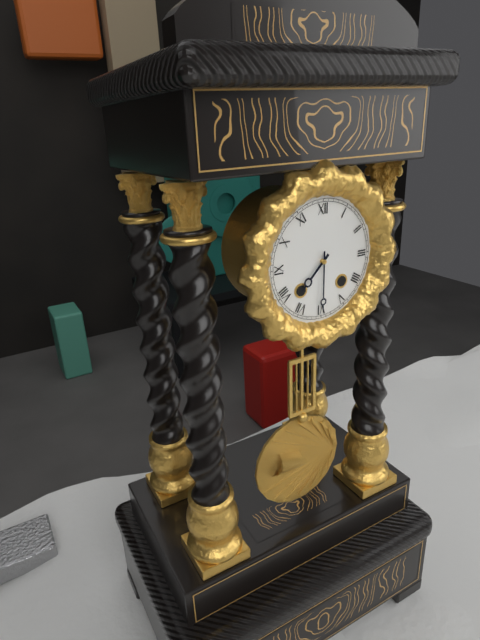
7:30
